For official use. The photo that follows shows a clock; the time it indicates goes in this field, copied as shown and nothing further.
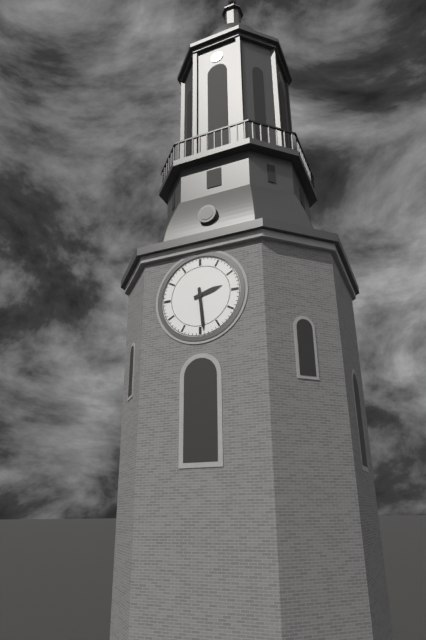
2:29
